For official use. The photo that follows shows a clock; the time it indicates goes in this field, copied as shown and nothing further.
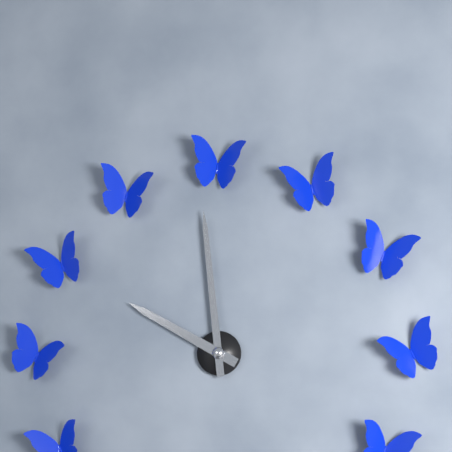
9:59
